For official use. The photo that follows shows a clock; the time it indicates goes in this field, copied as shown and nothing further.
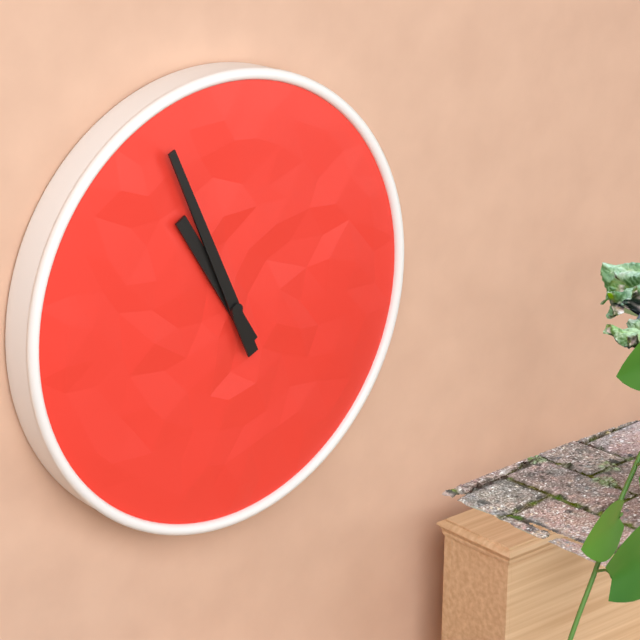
10:56
